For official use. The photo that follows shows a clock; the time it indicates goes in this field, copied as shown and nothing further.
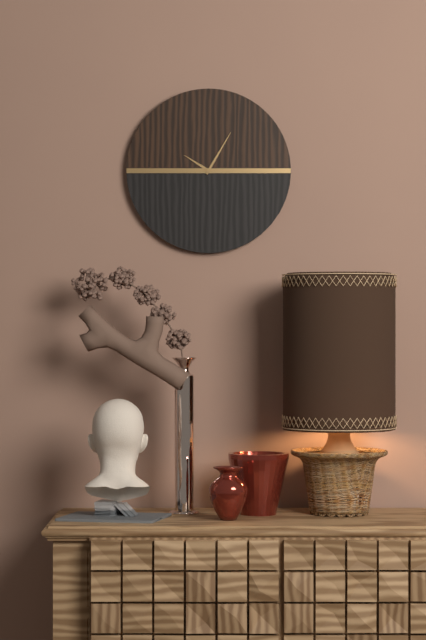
10:05
